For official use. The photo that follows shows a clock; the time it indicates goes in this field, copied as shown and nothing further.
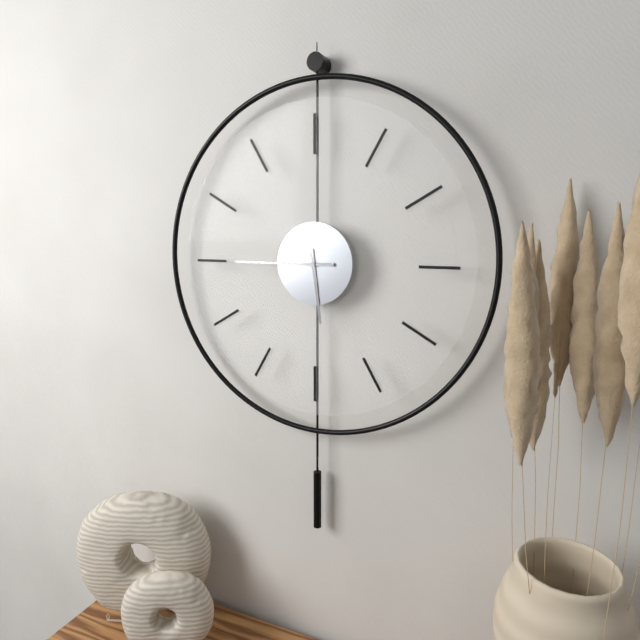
5:45
